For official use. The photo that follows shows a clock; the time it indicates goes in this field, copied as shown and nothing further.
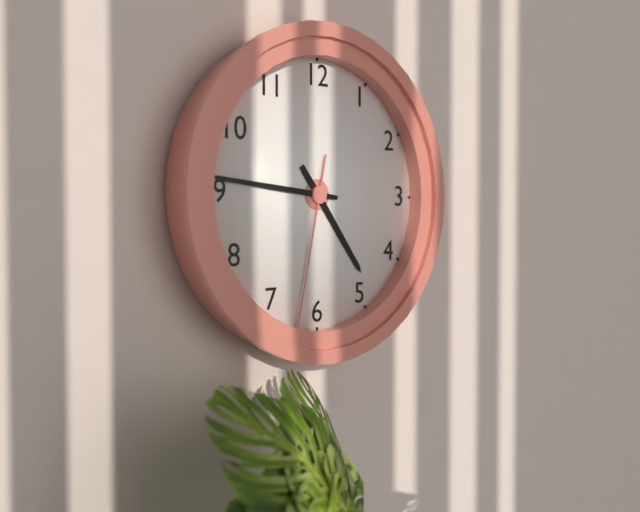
4:46:32
